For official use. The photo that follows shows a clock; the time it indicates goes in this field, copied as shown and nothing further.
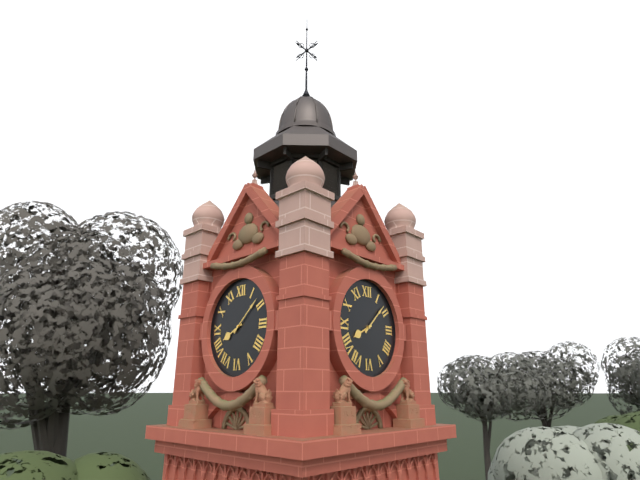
8:08
